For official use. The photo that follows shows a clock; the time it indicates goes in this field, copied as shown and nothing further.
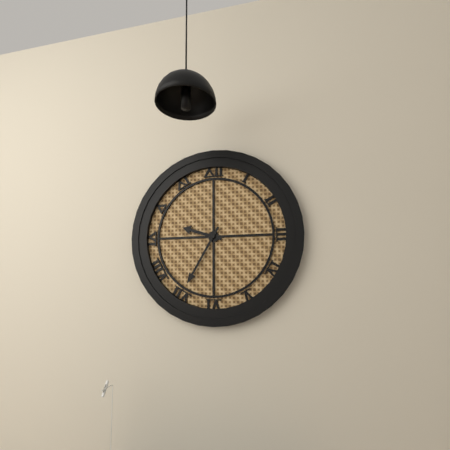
9:35
